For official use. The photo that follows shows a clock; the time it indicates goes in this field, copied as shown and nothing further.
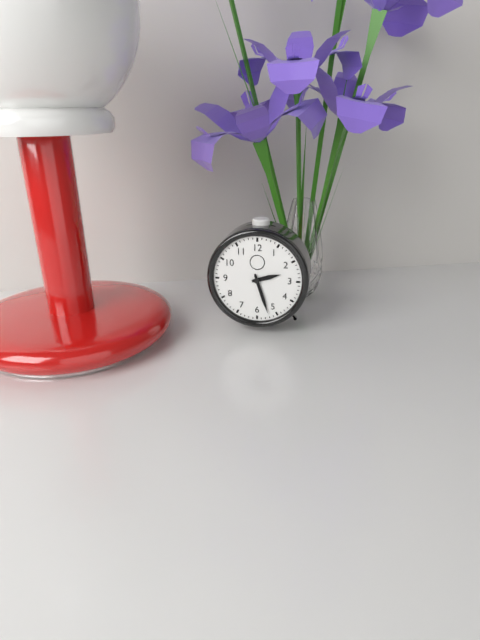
2:27
